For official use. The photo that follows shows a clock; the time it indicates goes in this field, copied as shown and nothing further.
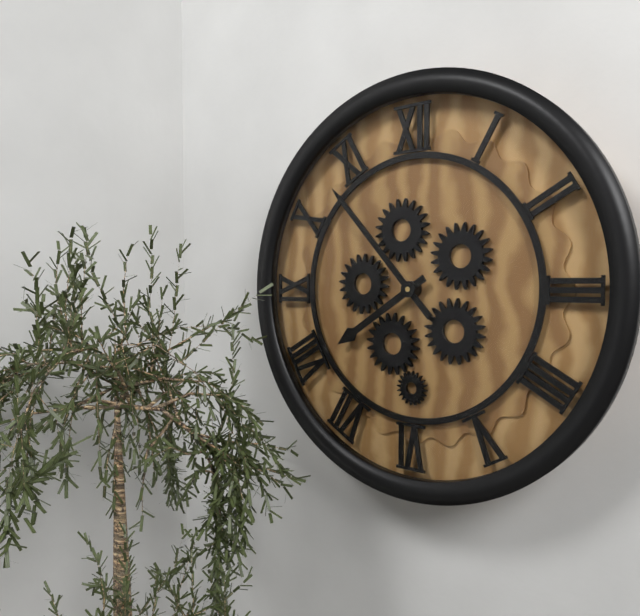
7:53
